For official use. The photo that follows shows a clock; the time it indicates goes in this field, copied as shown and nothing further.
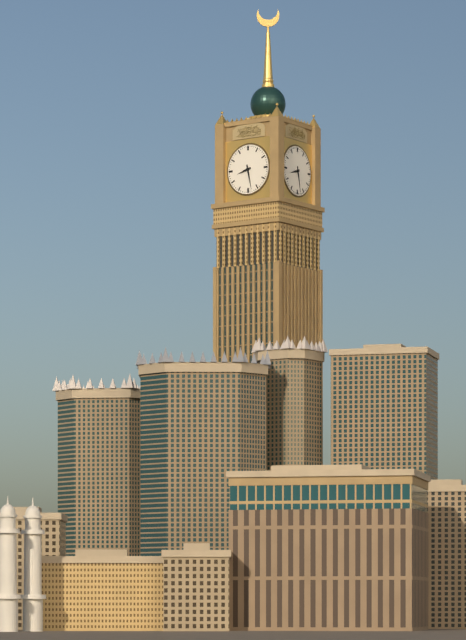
8:28
